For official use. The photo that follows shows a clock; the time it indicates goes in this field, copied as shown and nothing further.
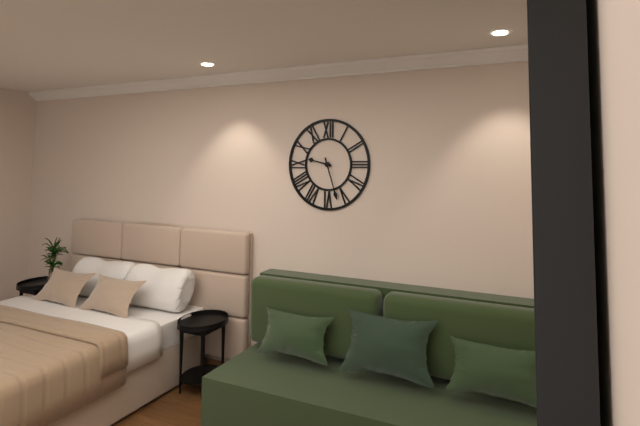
9:27
